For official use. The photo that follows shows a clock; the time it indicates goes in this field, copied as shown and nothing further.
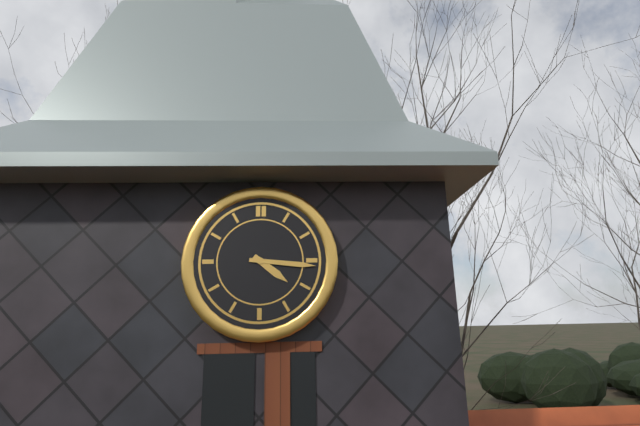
4:16
